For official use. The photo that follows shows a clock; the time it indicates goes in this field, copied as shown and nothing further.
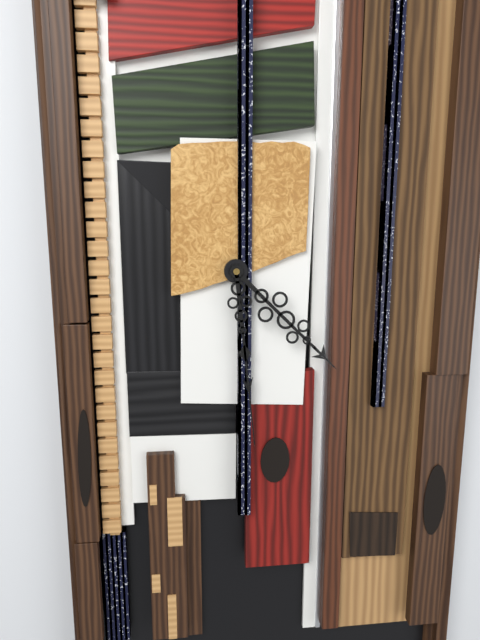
4:29
